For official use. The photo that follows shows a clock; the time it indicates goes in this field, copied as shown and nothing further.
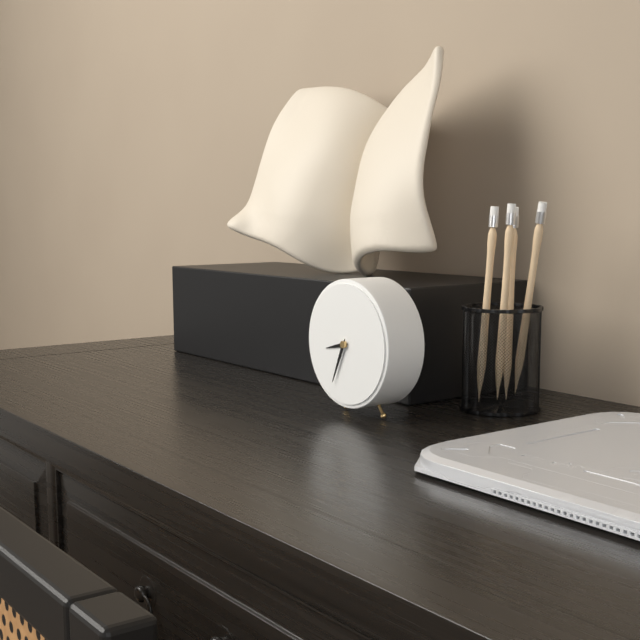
8:34
